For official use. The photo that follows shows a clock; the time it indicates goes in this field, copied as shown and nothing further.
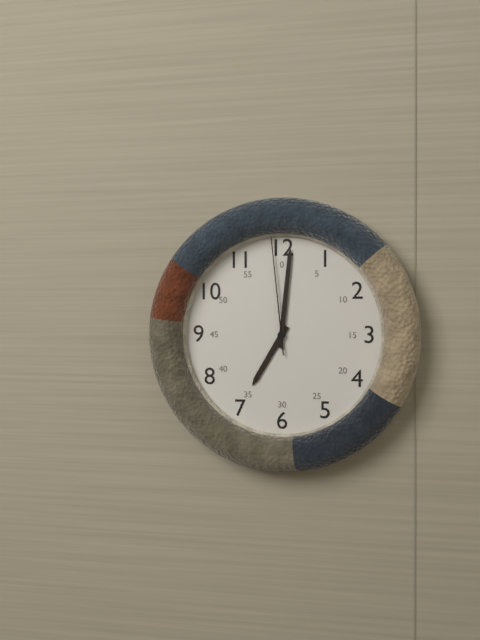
7:01:59
